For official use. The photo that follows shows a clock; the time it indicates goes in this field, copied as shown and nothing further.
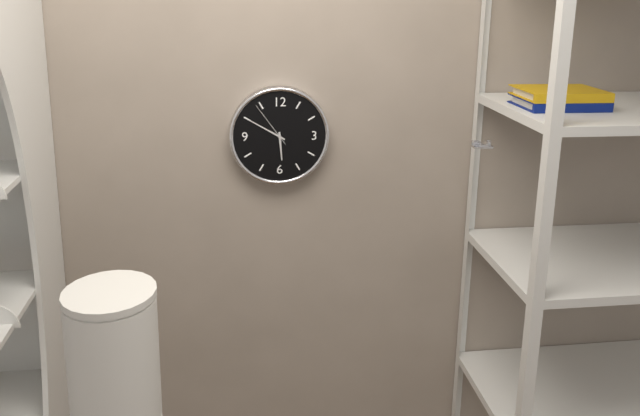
5:50:54
